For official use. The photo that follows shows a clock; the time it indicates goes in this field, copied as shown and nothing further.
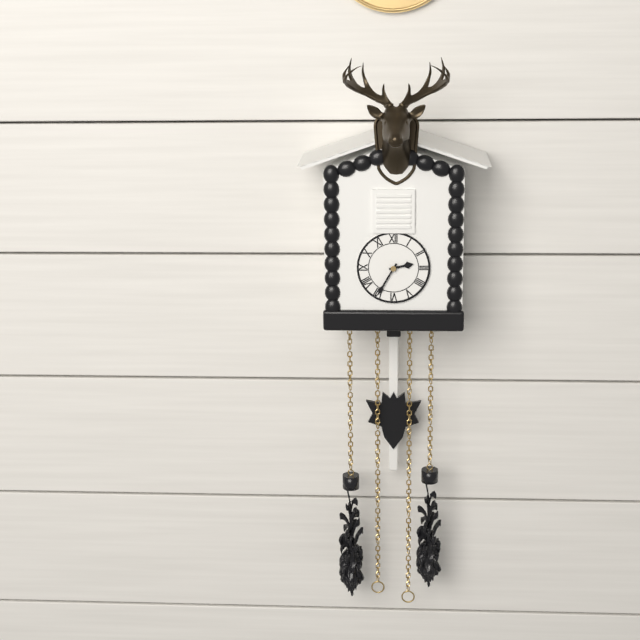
2:35
